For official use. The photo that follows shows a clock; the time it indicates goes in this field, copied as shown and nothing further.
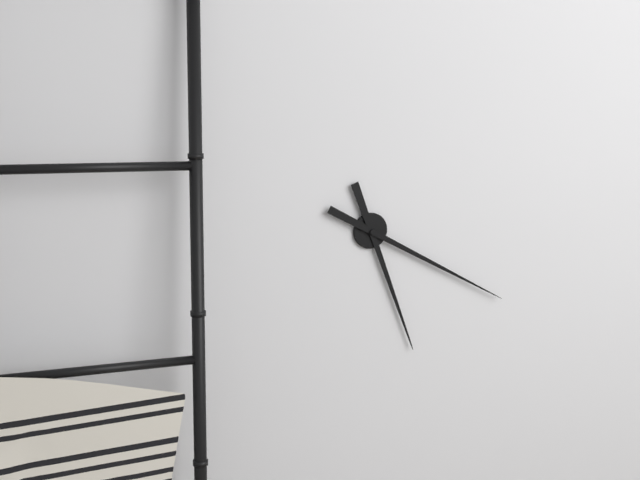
5:20
